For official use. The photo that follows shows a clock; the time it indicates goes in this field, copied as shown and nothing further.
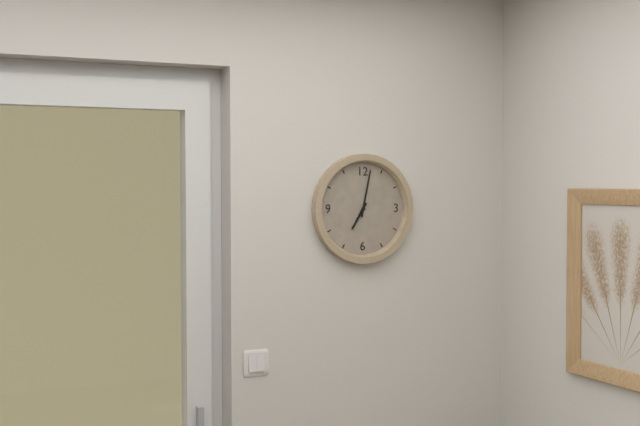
7:02
